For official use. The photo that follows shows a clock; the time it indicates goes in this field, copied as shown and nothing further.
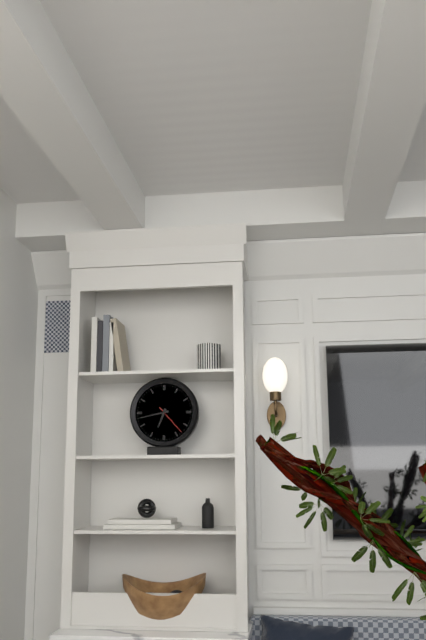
6:43
